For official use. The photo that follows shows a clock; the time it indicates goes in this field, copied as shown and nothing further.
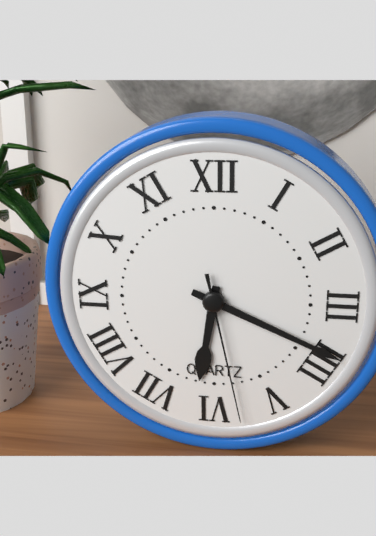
6:19:28
